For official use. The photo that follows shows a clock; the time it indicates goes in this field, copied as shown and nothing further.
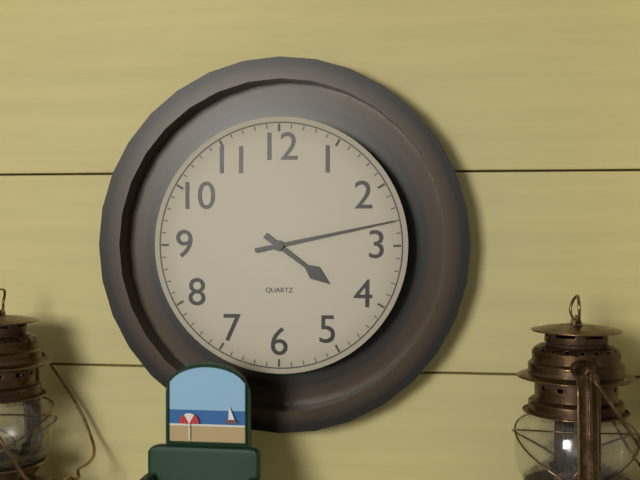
4:13
